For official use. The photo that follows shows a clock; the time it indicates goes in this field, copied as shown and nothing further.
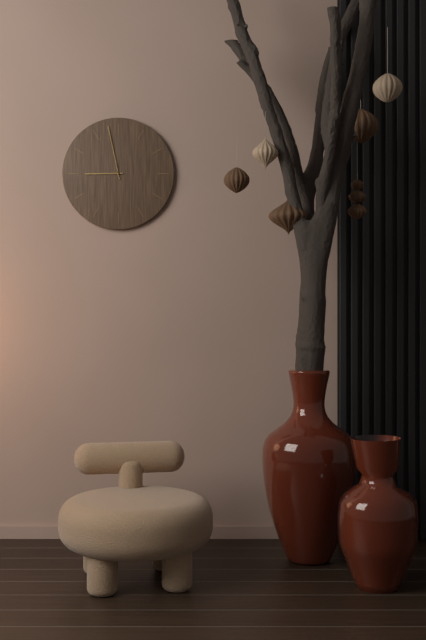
8:58
